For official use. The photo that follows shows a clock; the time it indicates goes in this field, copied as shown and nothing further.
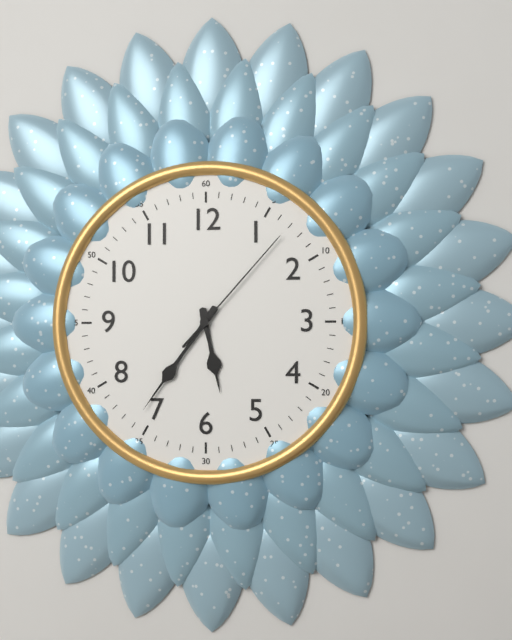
5:36:07
